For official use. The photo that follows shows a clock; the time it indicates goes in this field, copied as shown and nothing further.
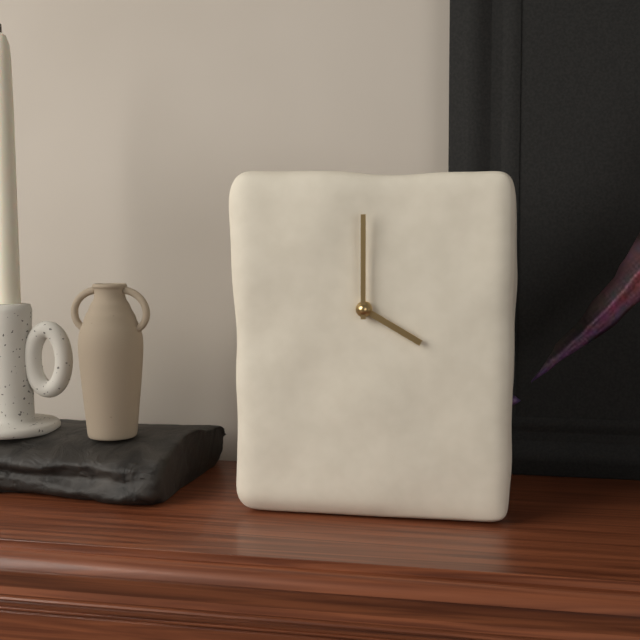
4:00
